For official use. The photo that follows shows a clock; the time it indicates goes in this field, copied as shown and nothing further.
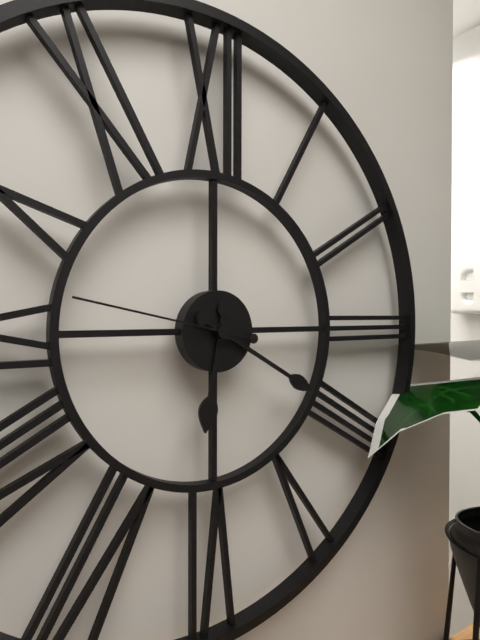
6:20:47
